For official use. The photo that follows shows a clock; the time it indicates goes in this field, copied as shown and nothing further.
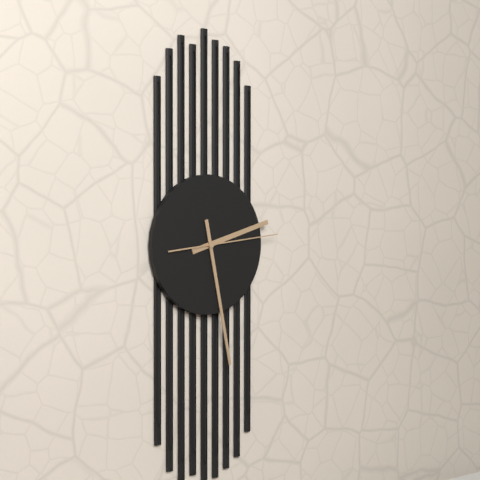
2:28:14
